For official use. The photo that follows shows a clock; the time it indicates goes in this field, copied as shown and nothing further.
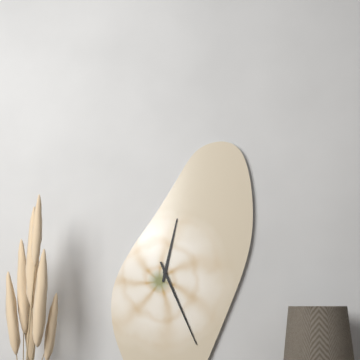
12:26
